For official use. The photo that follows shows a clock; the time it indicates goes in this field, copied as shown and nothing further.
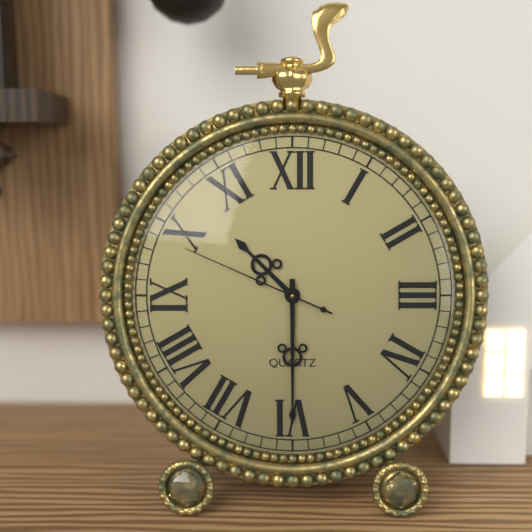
10:30:49
